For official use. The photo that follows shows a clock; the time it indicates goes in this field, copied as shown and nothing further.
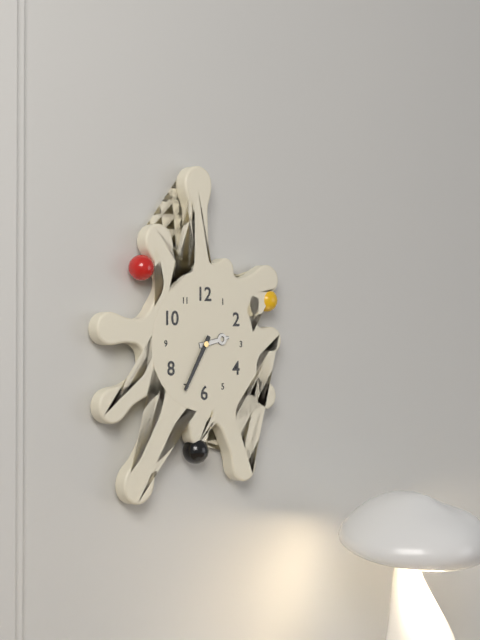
2:35
